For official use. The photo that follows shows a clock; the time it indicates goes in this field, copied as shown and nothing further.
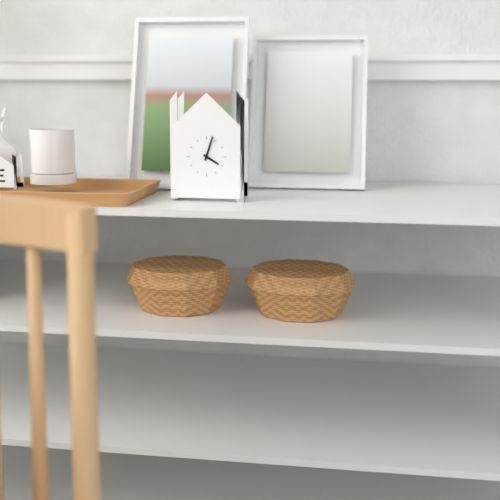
4:03
